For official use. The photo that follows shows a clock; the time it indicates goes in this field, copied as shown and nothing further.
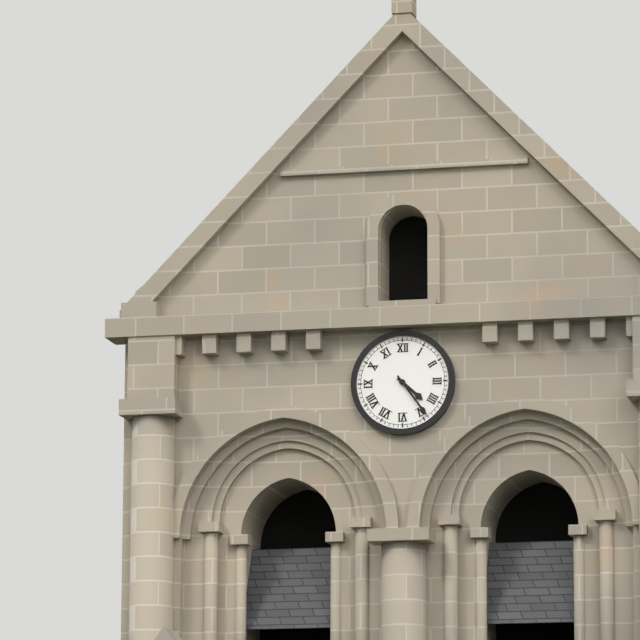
4:24
